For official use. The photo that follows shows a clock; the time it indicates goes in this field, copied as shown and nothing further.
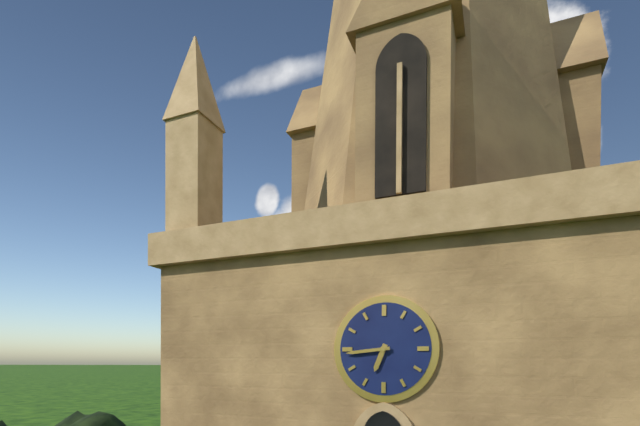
6:44
